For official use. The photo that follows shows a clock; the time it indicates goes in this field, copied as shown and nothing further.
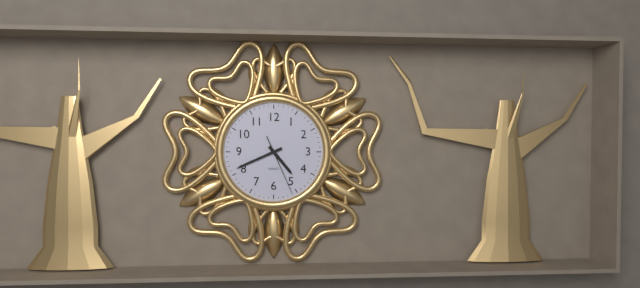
4:41:26
